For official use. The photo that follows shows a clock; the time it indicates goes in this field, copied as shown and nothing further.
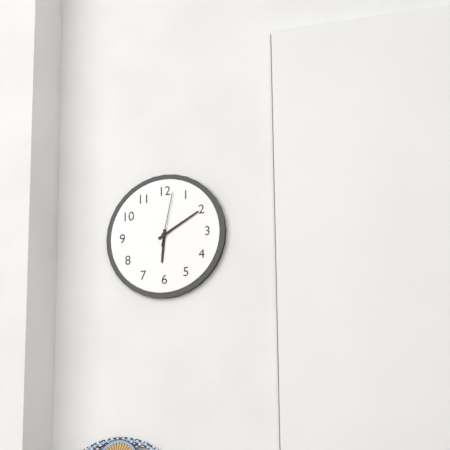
6:10:02
